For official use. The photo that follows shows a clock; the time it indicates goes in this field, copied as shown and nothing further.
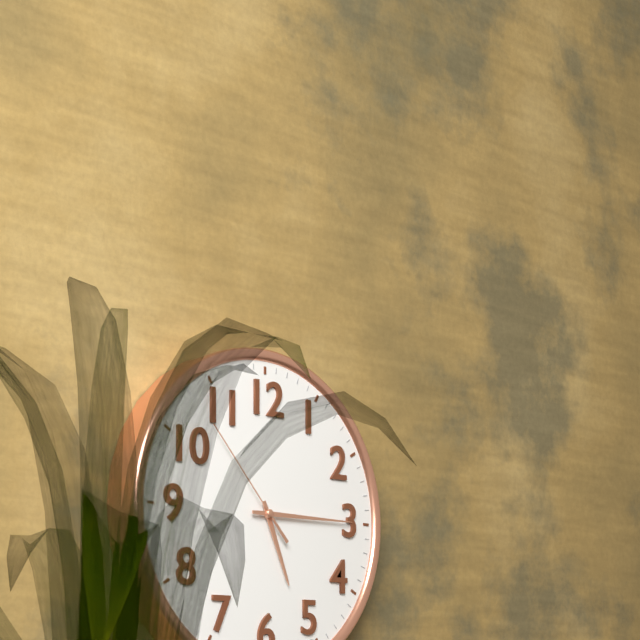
5:15:53
